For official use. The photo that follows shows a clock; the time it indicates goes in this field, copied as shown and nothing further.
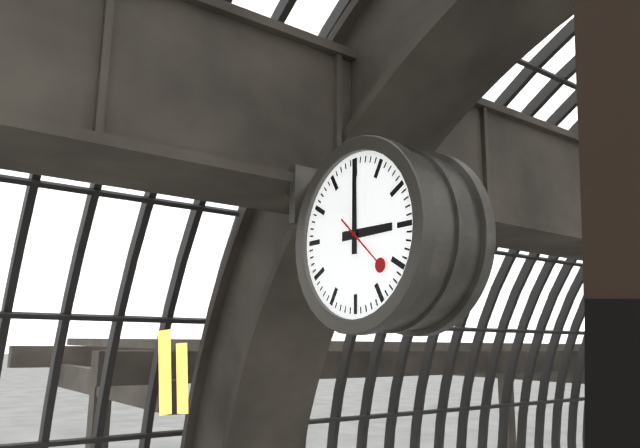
3:00:22
